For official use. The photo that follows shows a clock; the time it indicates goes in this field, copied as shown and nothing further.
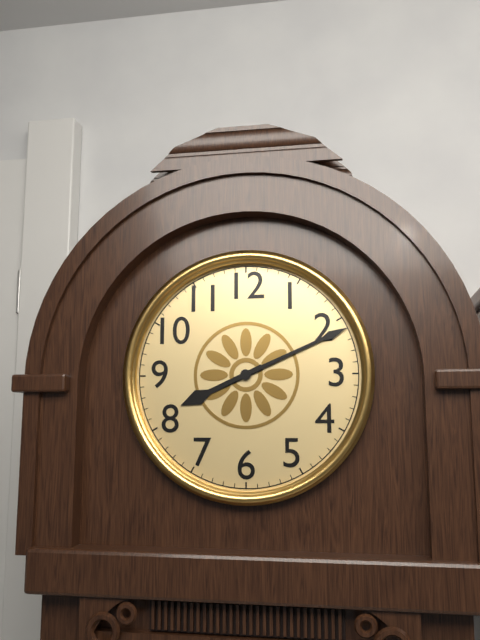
8:11
